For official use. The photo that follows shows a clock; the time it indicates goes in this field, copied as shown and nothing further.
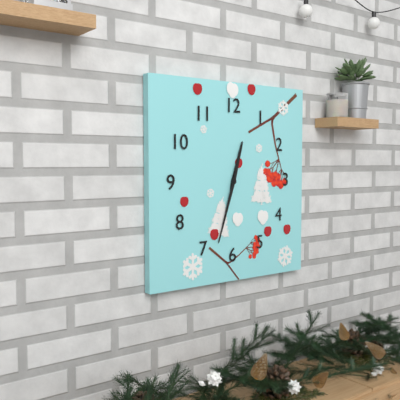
12:33
